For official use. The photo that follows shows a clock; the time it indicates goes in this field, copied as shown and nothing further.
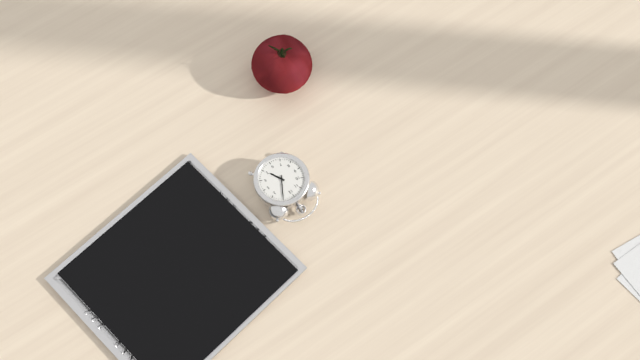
5:05
